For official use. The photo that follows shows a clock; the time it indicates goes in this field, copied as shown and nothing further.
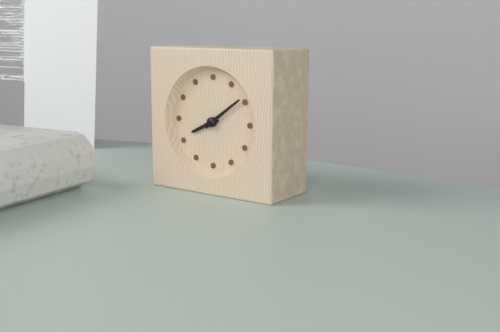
8:09
